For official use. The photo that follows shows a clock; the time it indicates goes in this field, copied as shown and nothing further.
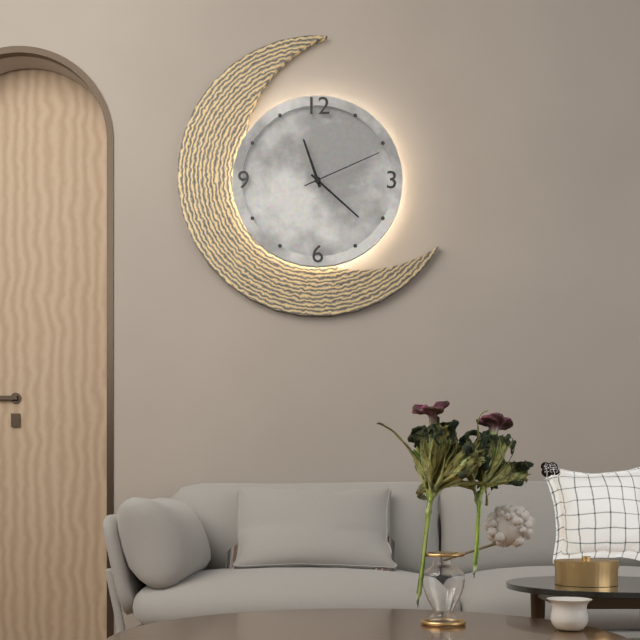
11:22:11
